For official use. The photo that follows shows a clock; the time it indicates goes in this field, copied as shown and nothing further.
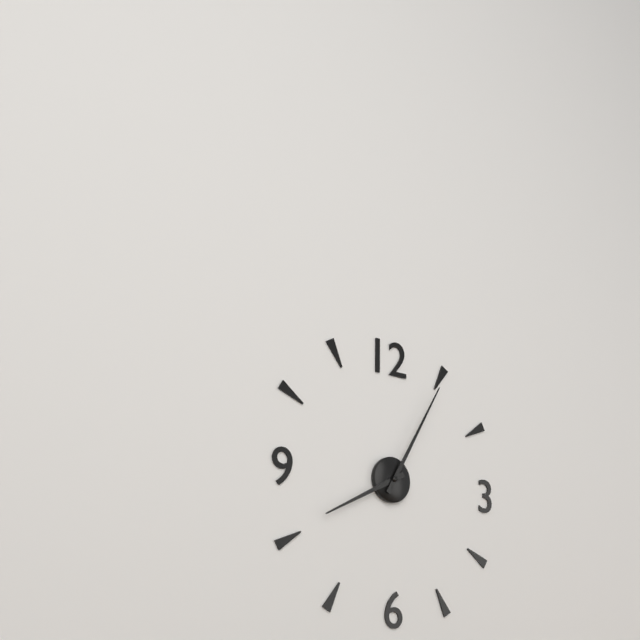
8:05
